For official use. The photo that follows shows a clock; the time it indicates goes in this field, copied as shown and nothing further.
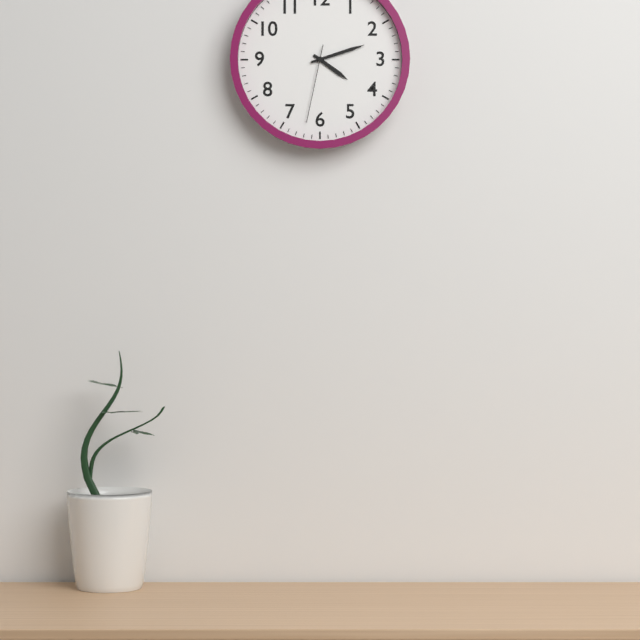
4:12:32
